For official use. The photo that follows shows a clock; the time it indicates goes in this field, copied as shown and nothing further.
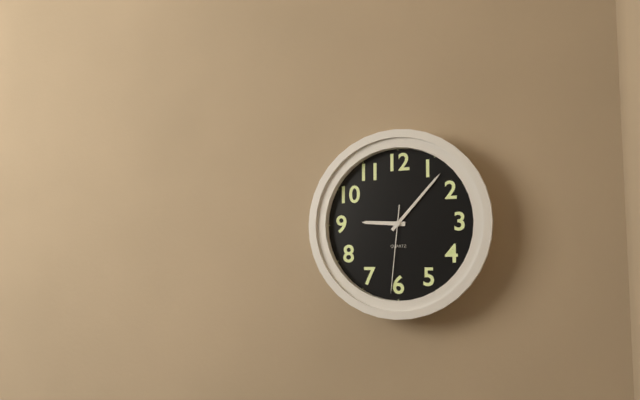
9:07:31
